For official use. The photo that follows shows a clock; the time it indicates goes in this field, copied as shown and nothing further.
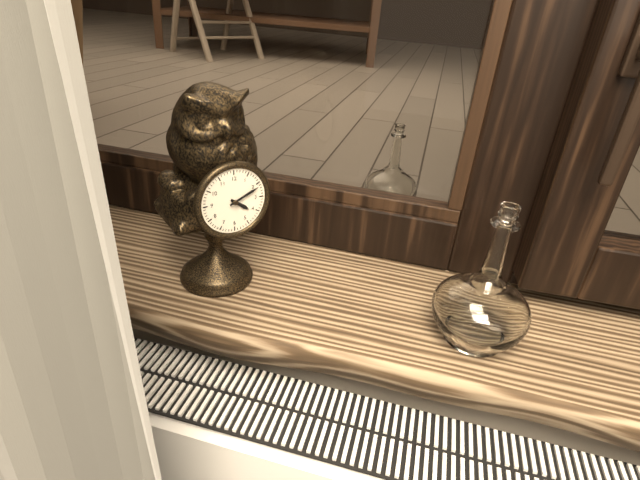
4:11
